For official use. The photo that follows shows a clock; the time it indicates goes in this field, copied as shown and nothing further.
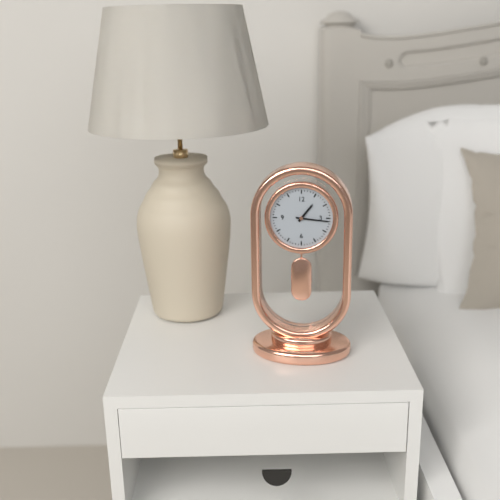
1:16
